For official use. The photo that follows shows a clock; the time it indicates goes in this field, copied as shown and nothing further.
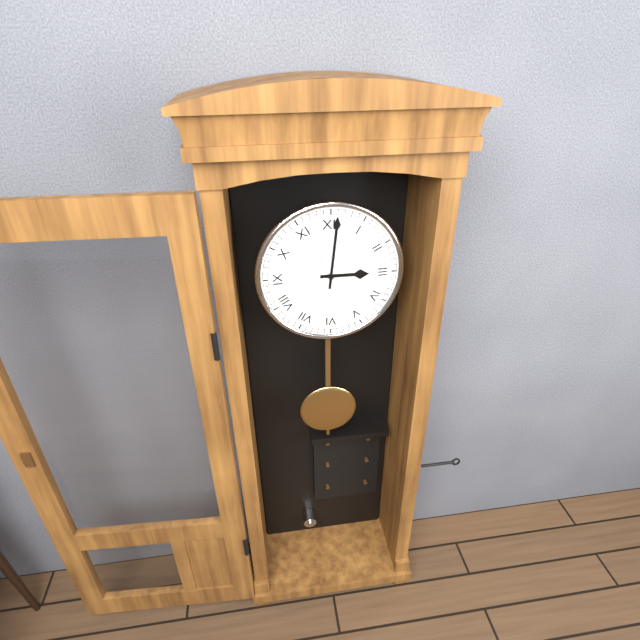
3:01
